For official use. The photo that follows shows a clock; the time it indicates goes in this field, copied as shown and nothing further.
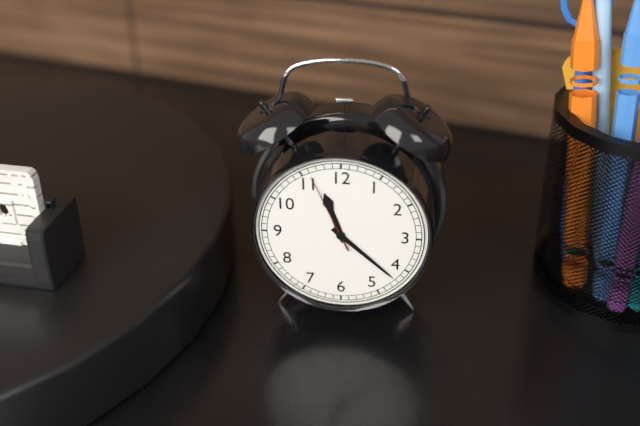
11:22:56
